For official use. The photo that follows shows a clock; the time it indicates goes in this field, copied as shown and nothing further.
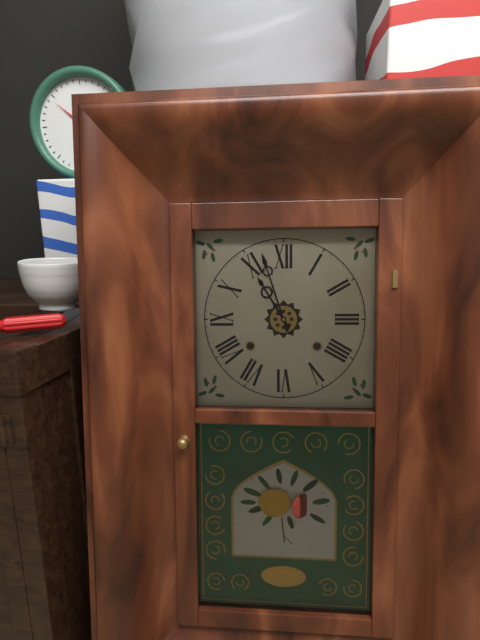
10:57
